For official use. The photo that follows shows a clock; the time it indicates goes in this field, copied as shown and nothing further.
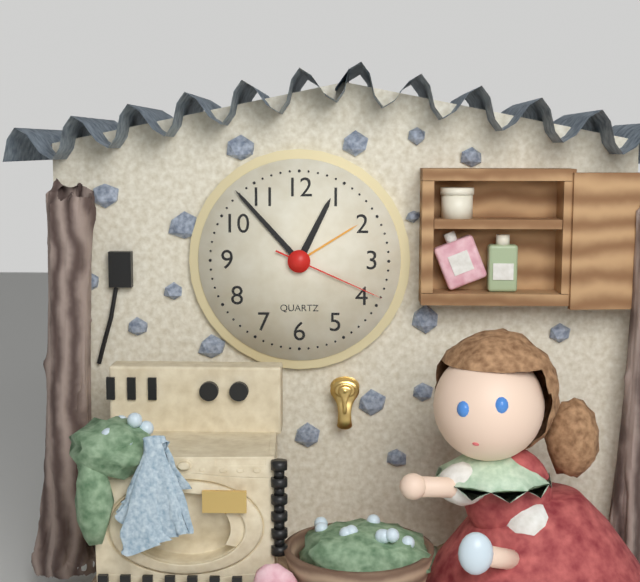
12:53:19
